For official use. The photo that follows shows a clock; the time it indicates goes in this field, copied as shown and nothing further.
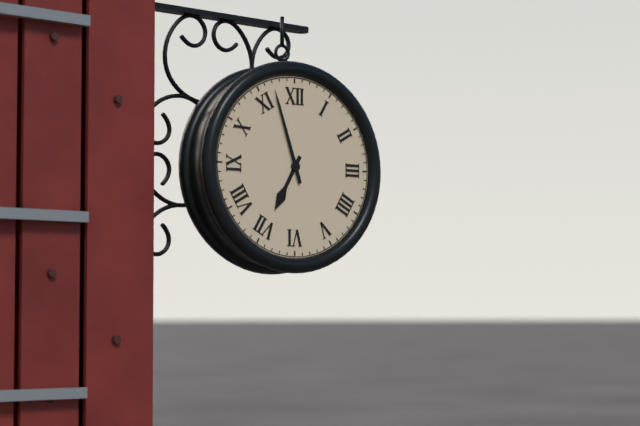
6:57
